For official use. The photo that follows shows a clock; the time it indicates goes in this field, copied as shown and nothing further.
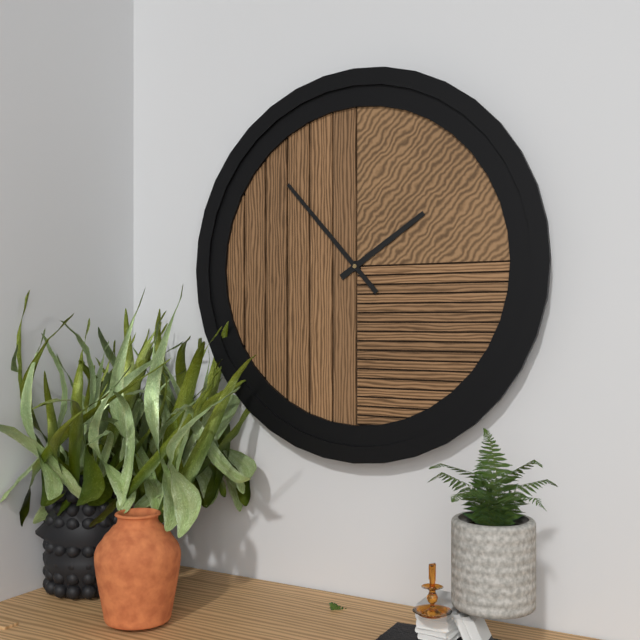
1:53
